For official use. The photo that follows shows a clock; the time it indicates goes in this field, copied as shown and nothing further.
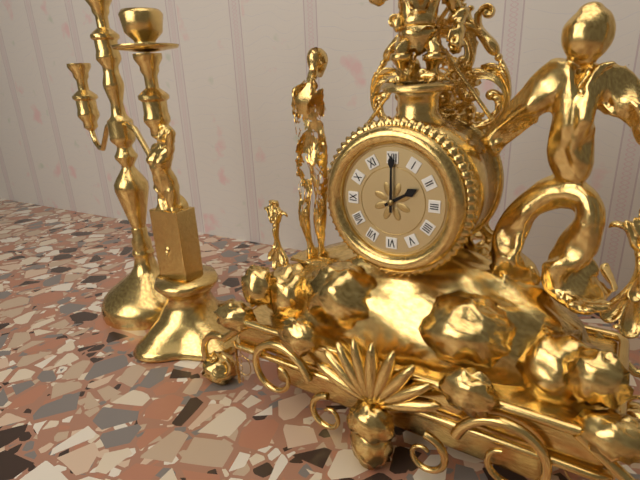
2:00
